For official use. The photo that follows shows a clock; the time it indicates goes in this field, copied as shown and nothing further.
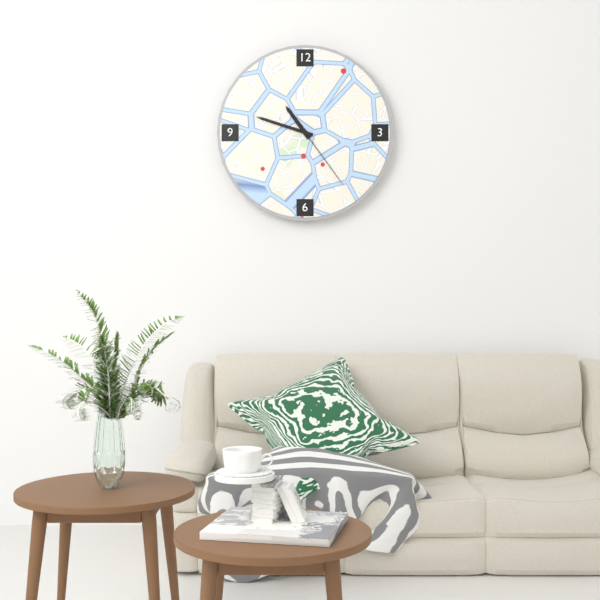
10:48:24
